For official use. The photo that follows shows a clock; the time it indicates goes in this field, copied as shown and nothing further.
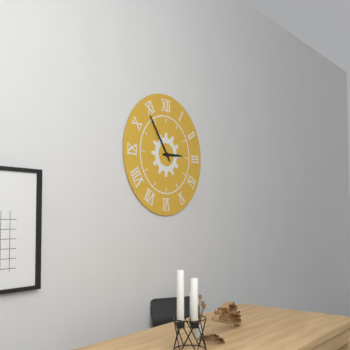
2:54
